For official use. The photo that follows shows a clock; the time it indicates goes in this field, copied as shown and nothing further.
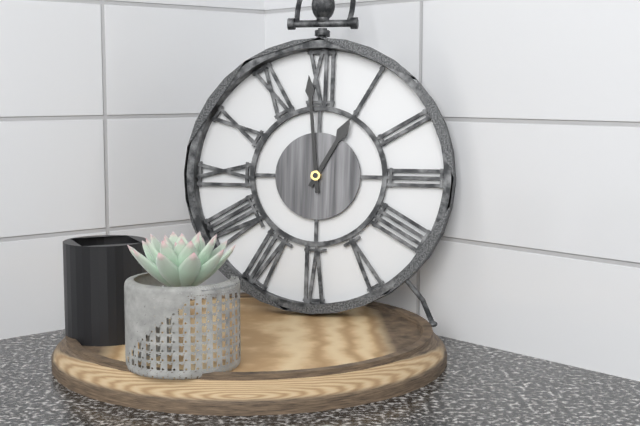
12:59
